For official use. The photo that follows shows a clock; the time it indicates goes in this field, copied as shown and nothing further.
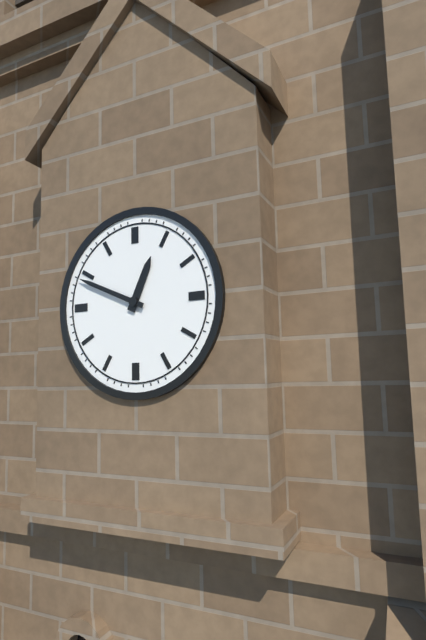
12:49
